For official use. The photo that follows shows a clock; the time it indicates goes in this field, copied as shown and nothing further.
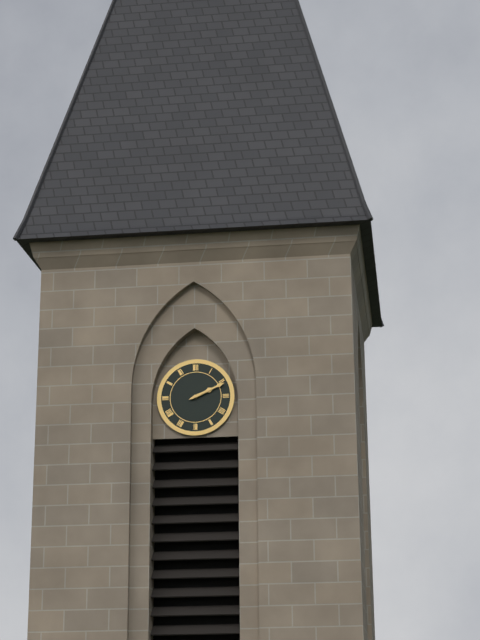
2:11
